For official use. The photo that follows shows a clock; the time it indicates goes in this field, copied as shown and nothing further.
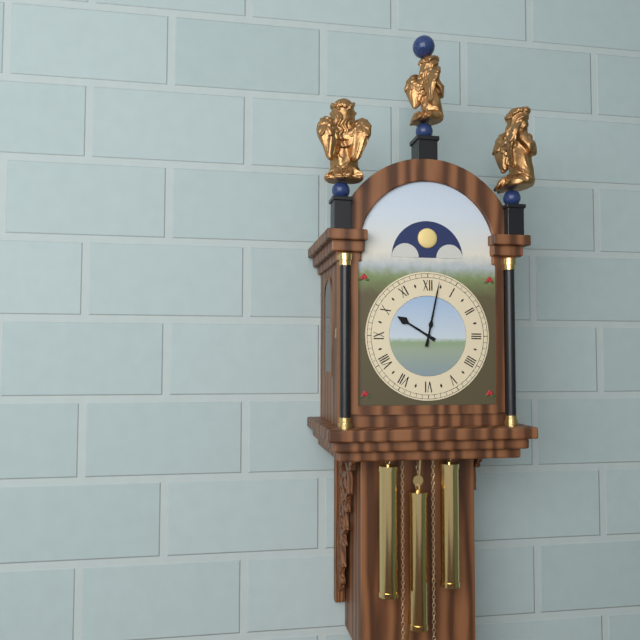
10:02
